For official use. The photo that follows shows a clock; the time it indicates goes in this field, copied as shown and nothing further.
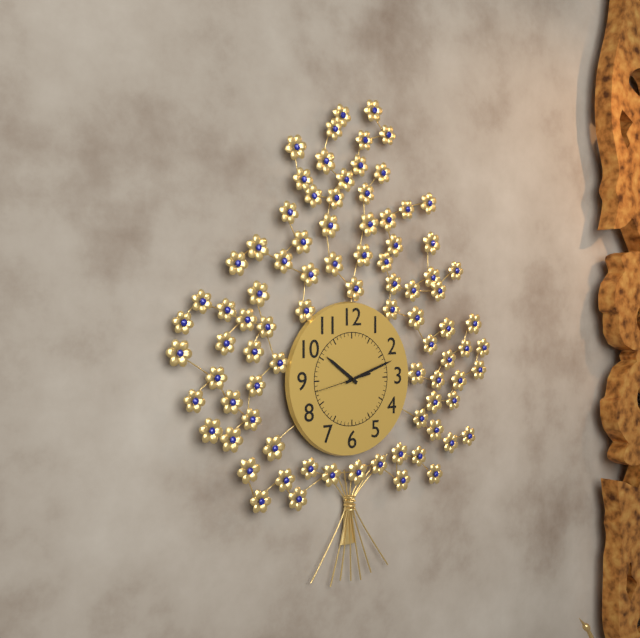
10:12
